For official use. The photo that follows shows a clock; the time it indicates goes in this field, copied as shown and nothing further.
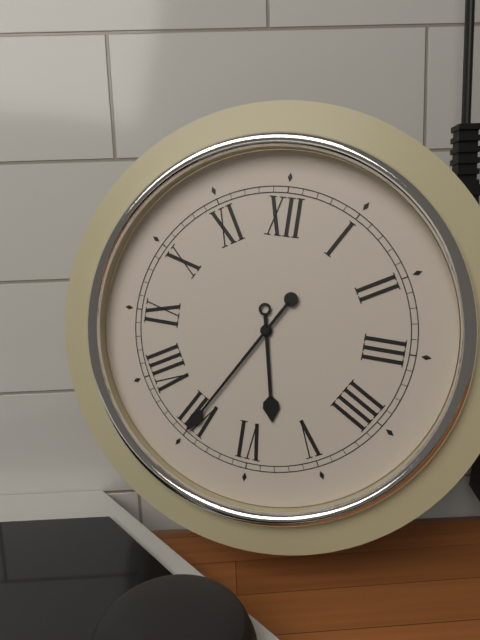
5:35
